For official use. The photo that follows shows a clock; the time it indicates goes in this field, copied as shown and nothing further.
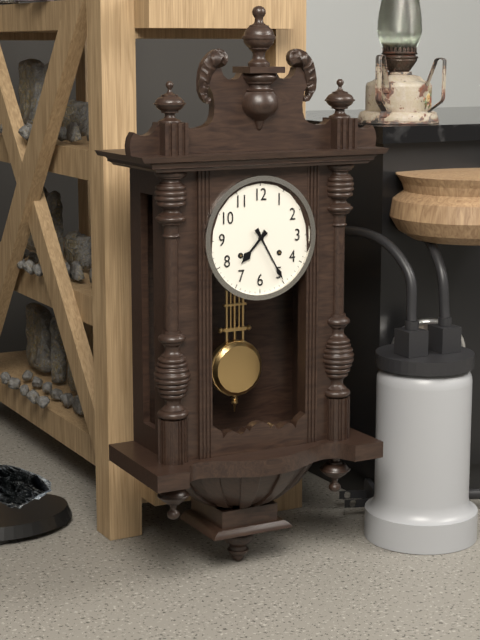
7:25
